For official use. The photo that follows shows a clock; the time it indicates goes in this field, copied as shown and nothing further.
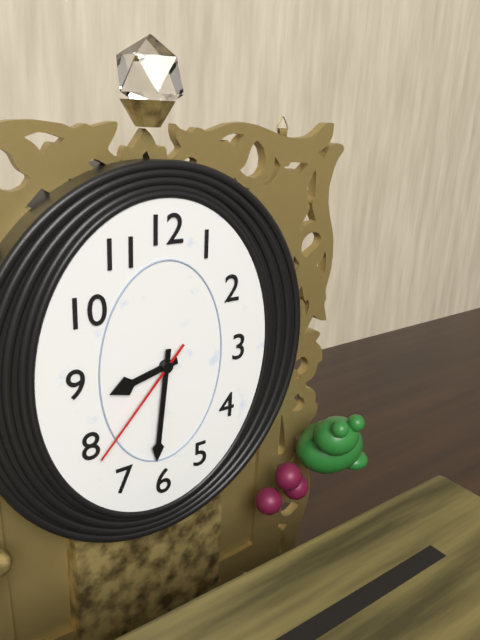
8:31:37
